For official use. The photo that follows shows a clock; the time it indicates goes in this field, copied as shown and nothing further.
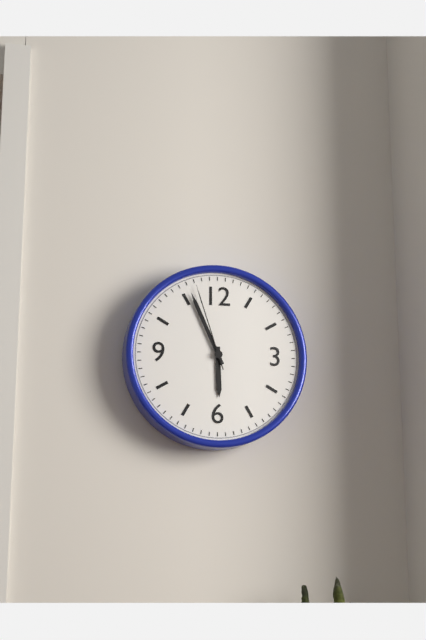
5:56:57
